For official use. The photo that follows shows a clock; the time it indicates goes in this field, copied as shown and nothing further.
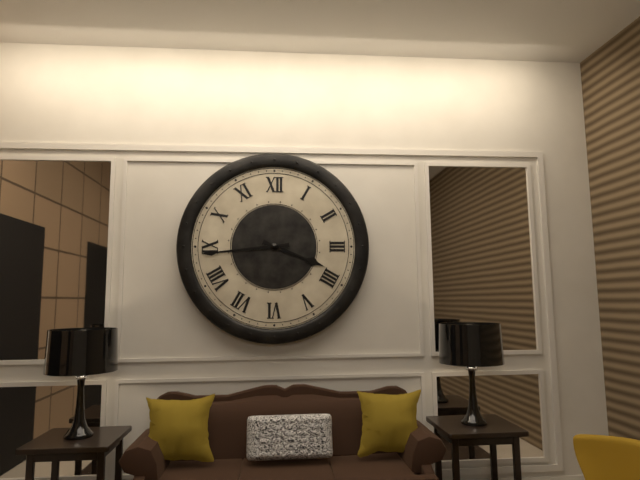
3:44
